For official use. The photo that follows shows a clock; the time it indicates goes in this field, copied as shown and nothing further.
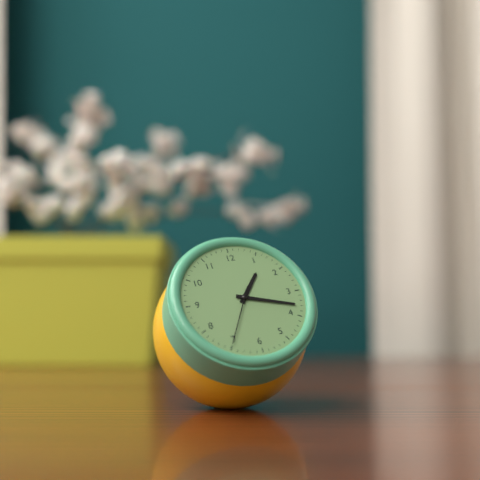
1:18:35
